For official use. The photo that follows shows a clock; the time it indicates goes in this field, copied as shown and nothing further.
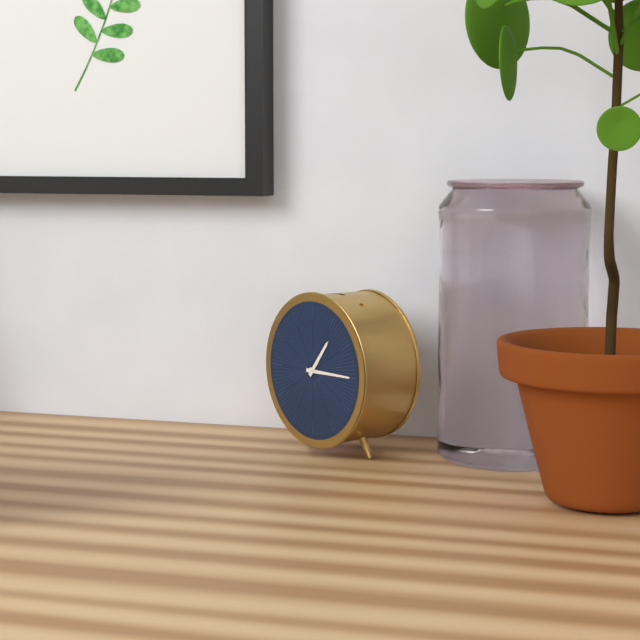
1:15
